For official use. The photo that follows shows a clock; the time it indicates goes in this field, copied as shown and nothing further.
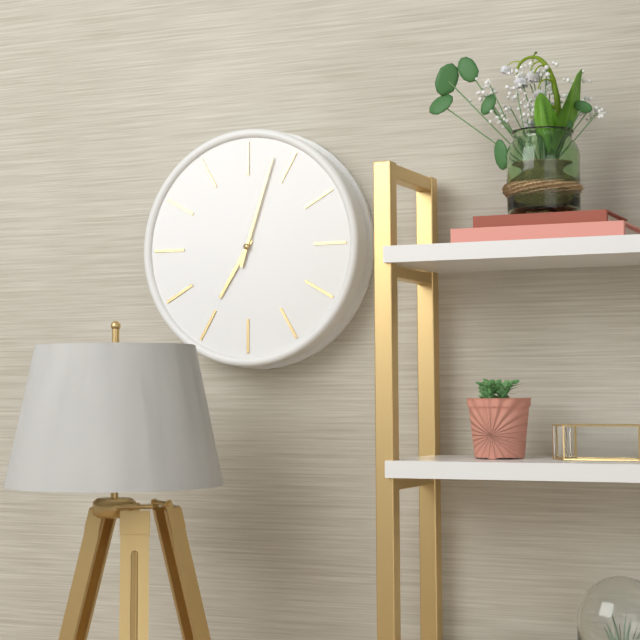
7:03
